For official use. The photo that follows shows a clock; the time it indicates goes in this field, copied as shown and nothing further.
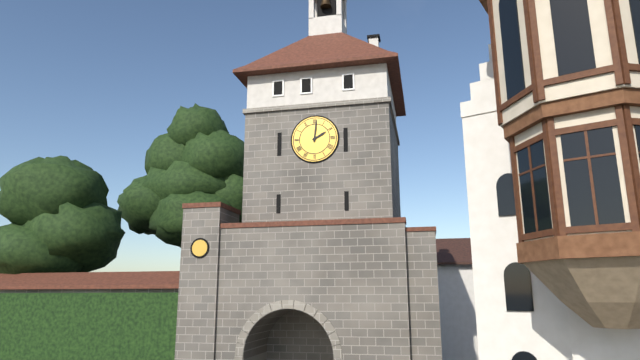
2:01
